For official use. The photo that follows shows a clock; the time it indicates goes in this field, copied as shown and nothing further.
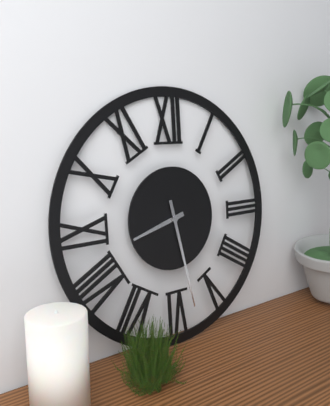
8:28
